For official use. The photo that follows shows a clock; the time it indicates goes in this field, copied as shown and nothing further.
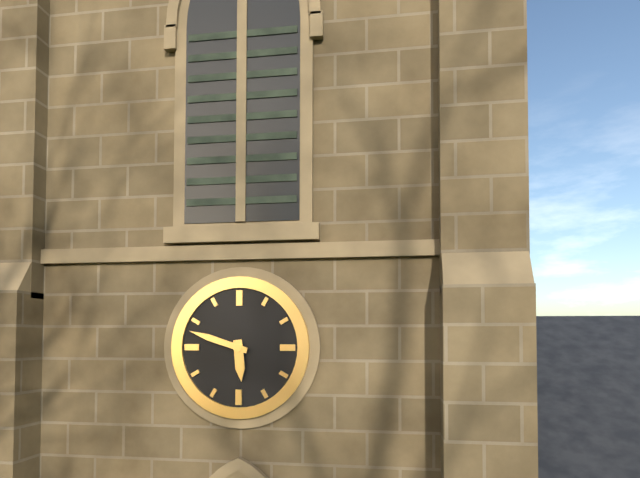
5:48
